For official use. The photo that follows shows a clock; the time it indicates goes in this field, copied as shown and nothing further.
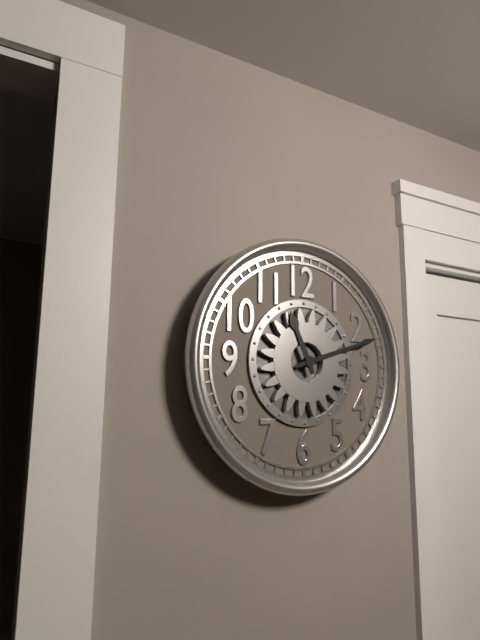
11:12
